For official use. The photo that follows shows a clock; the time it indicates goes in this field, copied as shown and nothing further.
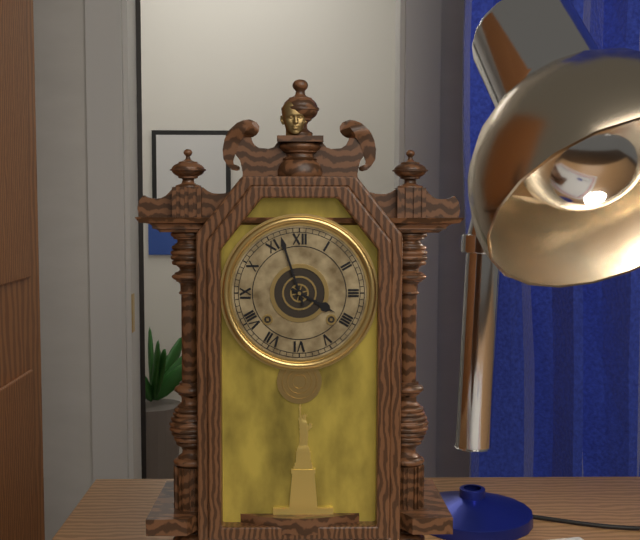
3:57
